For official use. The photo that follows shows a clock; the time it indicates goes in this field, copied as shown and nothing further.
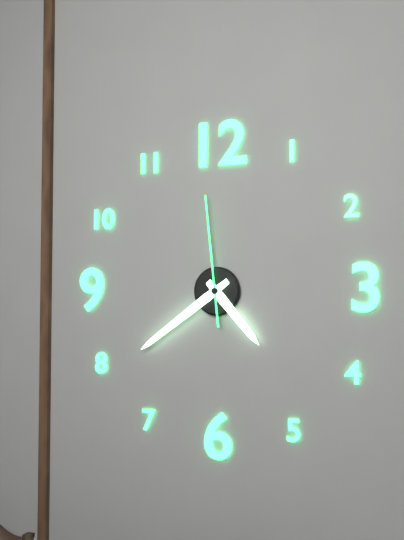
4:39:59
